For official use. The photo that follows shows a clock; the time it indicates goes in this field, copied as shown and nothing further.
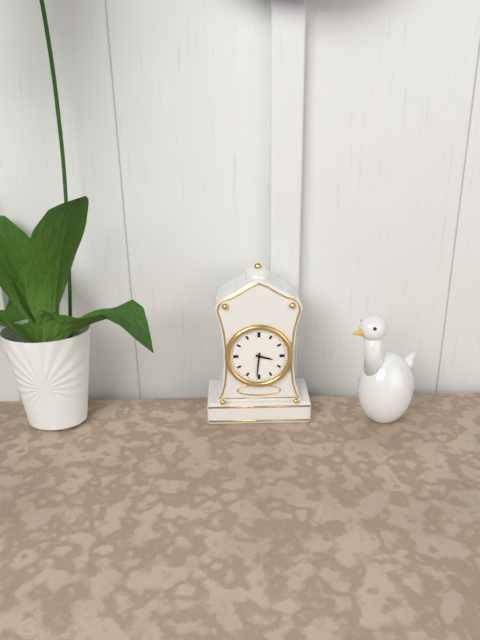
3:31
